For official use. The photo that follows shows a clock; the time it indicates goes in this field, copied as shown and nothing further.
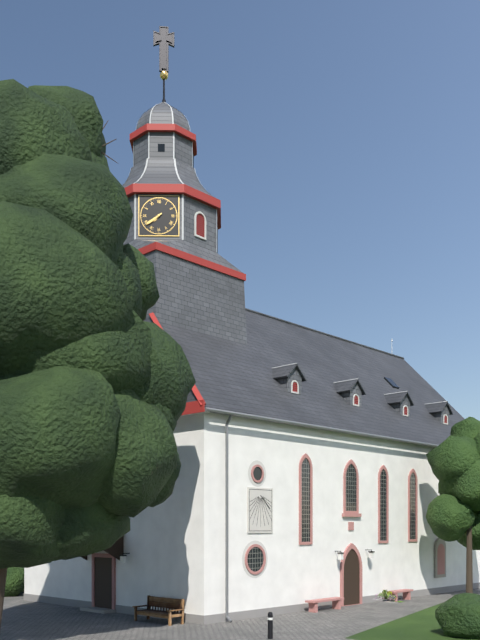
7:39
